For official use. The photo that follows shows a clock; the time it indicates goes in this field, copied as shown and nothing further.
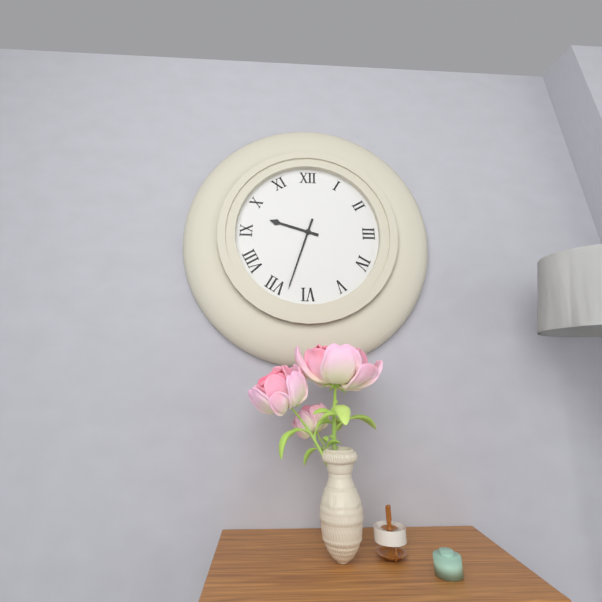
9:33
